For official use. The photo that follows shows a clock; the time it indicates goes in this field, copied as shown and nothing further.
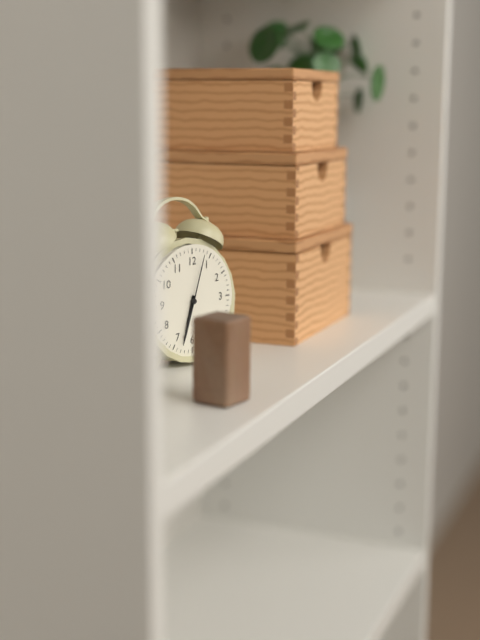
6:33:03
